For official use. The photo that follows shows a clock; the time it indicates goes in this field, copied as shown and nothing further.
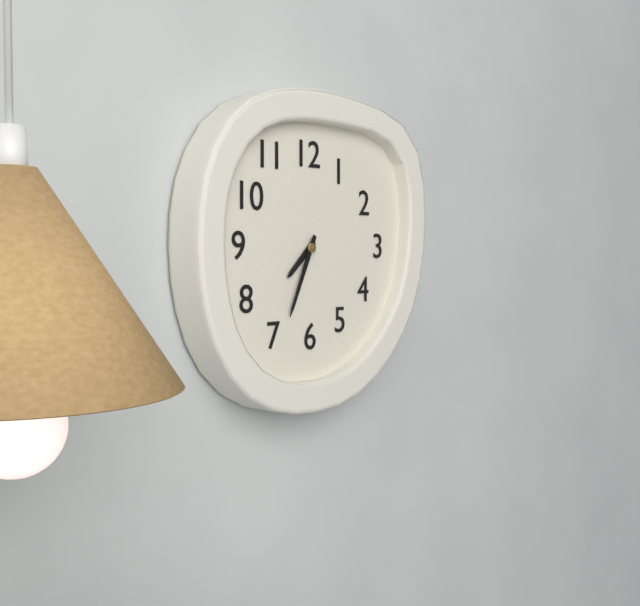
7:34
